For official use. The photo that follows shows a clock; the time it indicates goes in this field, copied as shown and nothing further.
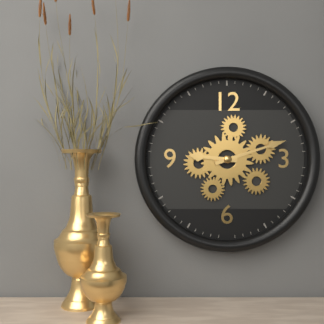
9:12
